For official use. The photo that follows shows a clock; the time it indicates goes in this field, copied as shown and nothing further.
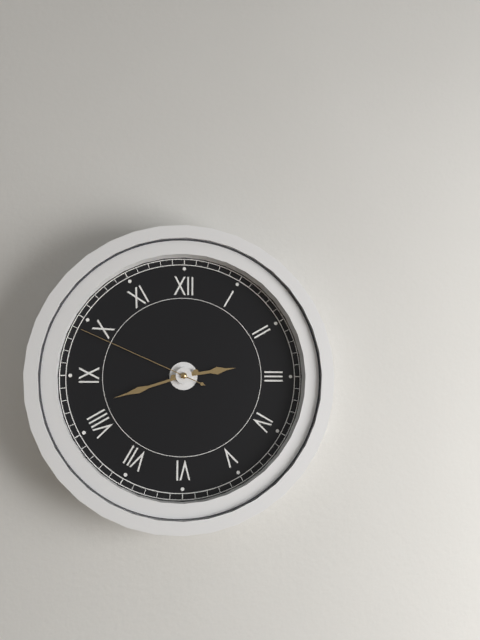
2:42:49
